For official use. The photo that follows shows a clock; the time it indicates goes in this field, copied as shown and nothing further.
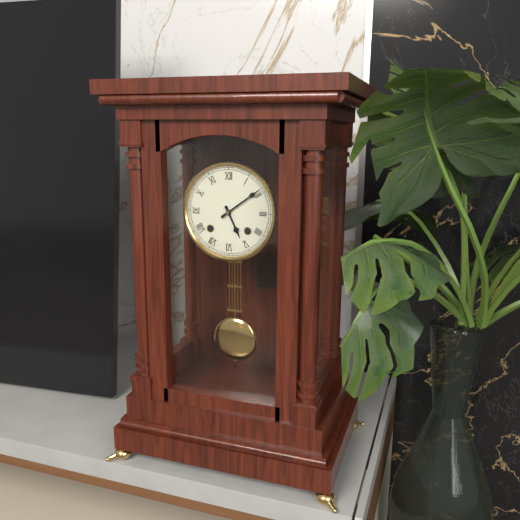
5:09
